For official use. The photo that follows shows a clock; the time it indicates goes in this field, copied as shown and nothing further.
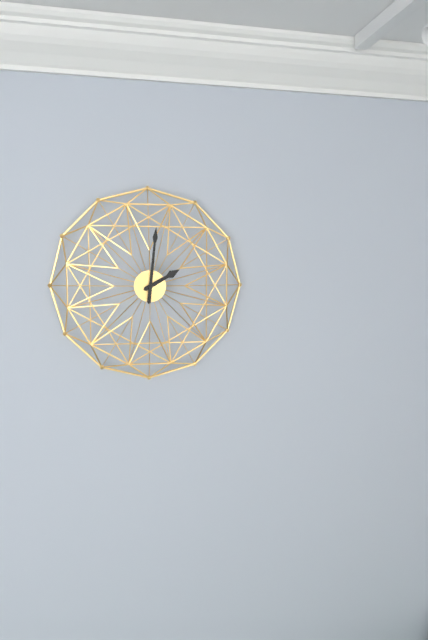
2:01
